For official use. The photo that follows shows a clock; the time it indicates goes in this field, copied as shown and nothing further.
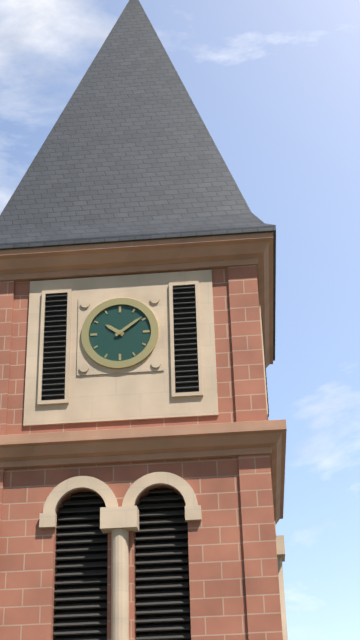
10:09
